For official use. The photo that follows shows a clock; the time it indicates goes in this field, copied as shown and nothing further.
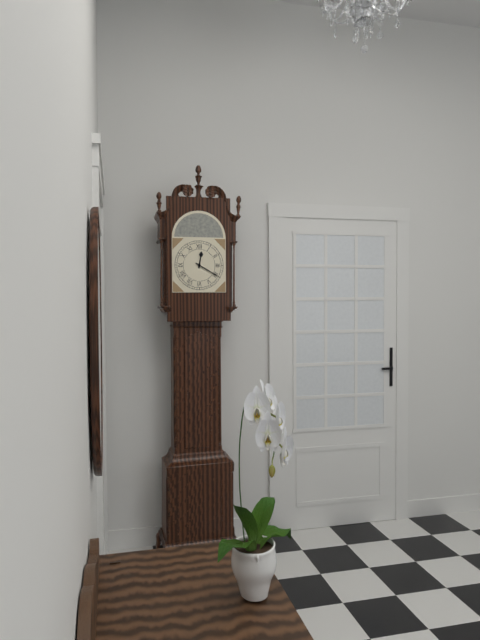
12:20
